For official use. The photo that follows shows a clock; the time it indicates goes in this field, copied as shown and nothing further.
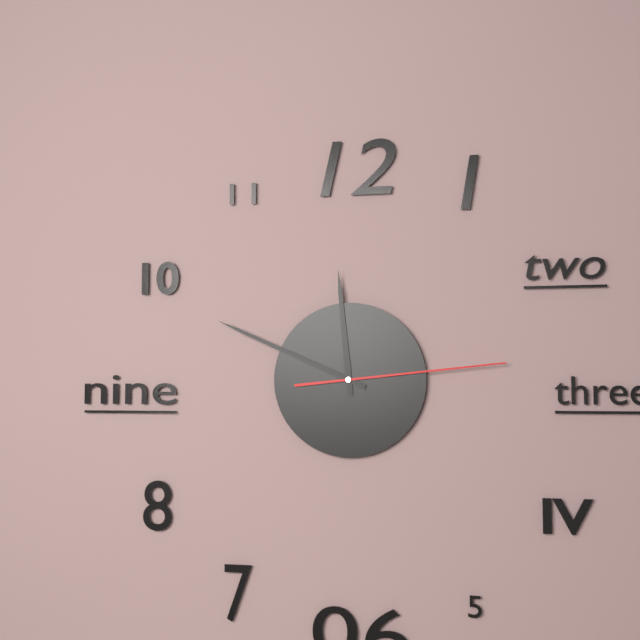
11:49:14
